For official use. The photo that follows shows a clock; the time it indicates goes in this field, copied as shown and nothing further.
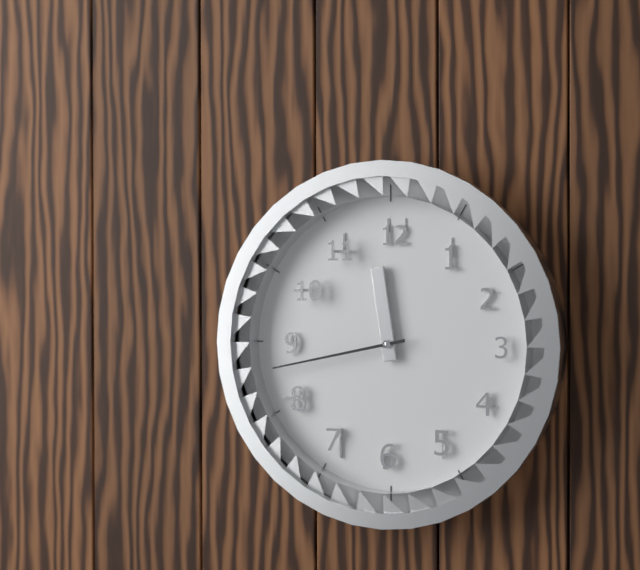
11:43
